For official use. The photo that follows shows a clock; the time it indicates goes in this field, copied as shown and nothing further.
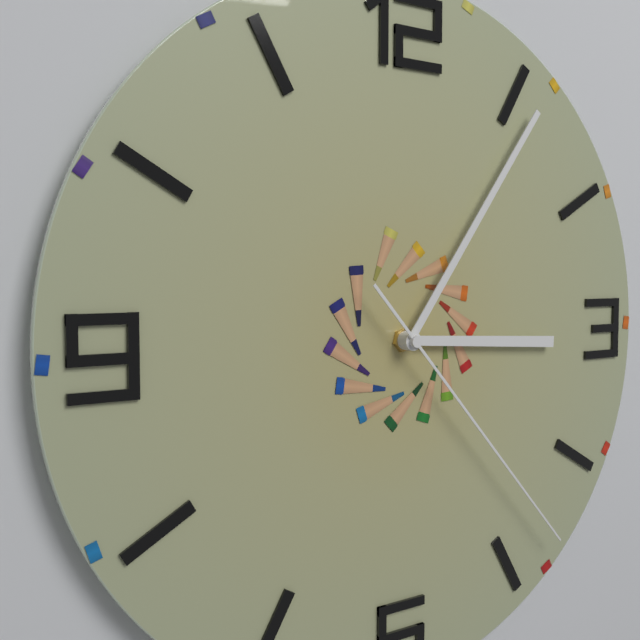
3:06:23
